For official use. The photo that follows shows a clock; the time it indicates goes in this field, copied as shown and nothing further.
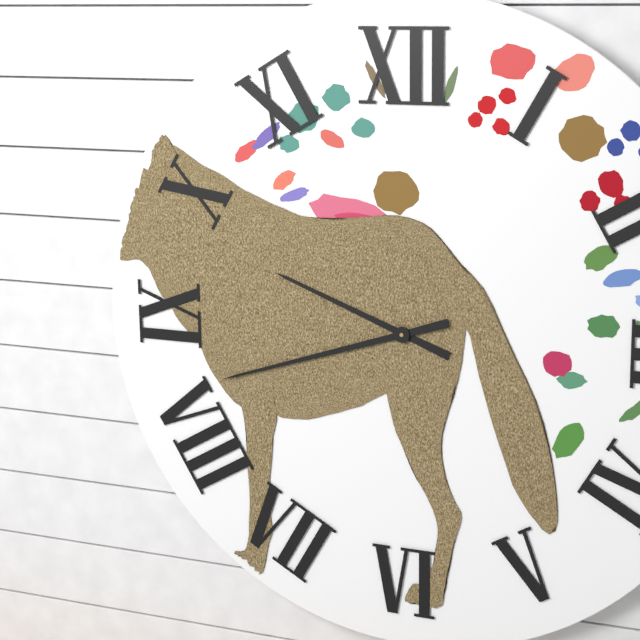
9:42
